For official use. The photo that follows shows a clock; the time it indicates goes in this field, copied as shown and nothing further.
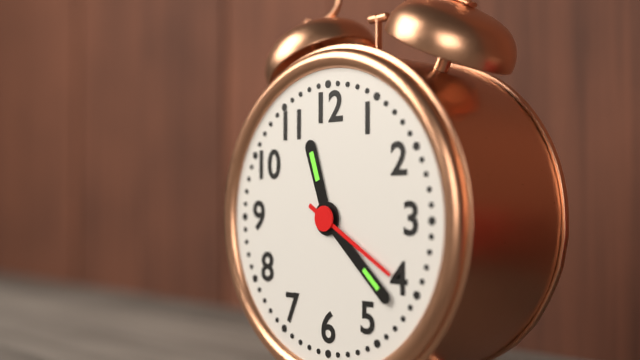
11:22:20
